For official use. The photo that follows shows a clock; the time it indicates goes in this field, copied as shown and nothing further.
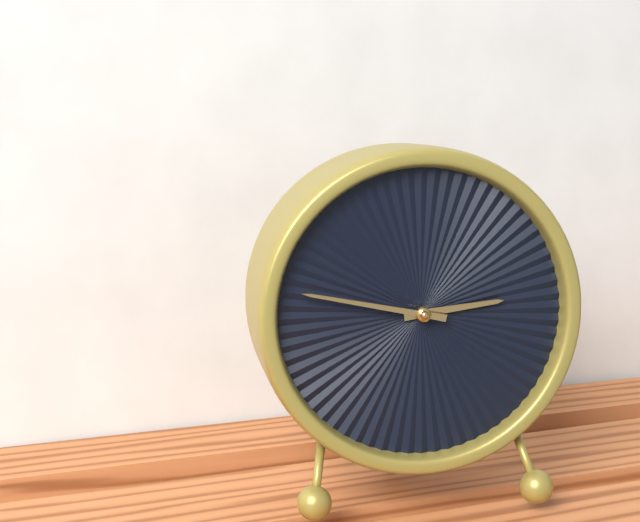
2:47
